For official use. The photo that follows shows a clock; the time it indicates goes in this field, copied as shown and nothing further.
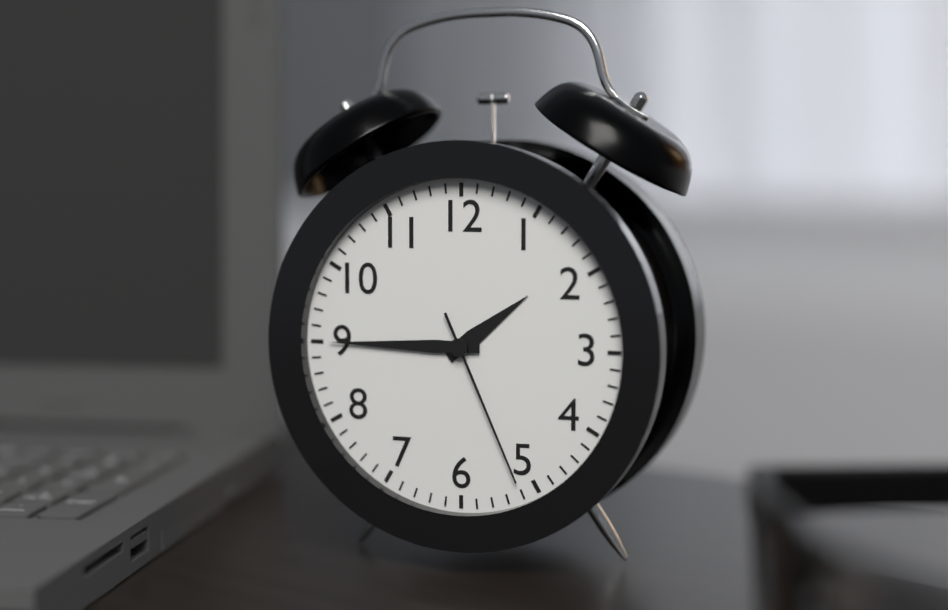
1:45:26
